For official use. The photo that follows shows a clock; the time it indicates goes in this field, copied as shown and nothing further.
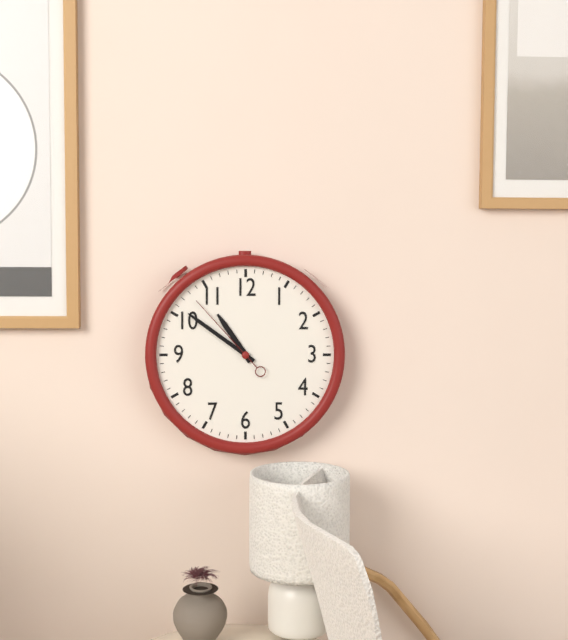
10:51:53
